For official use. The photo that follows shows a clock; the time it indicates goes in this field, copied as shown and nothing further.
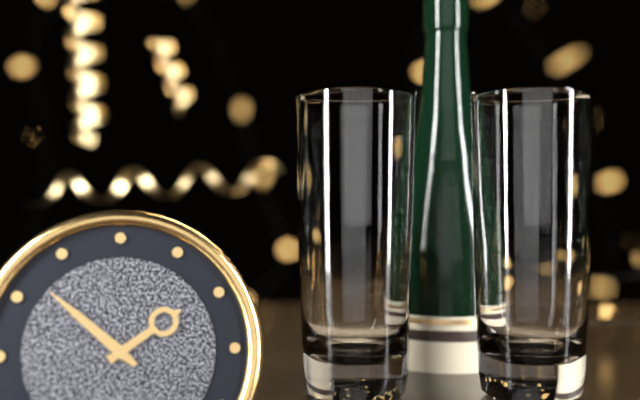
1:52
